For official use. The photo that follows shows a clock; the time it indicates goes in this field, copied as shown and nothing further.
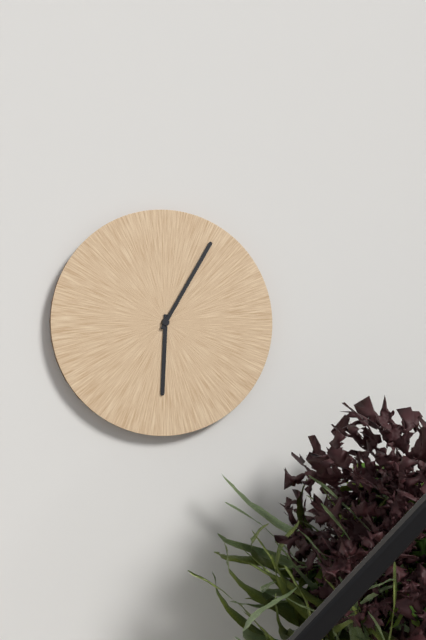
6:05
